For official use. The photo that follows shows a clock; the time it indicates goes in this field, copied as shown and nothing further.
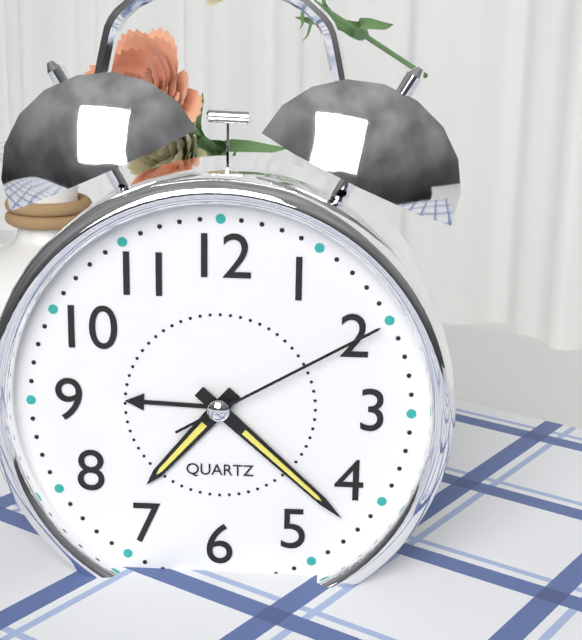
7:22:10
